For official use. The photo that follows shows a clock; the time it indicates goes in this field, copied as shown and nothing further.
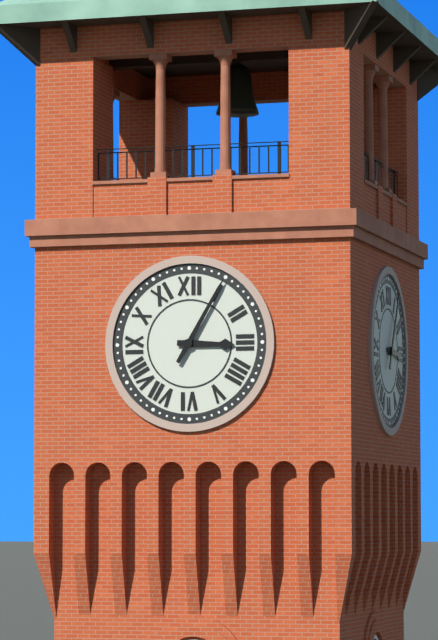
3:05
